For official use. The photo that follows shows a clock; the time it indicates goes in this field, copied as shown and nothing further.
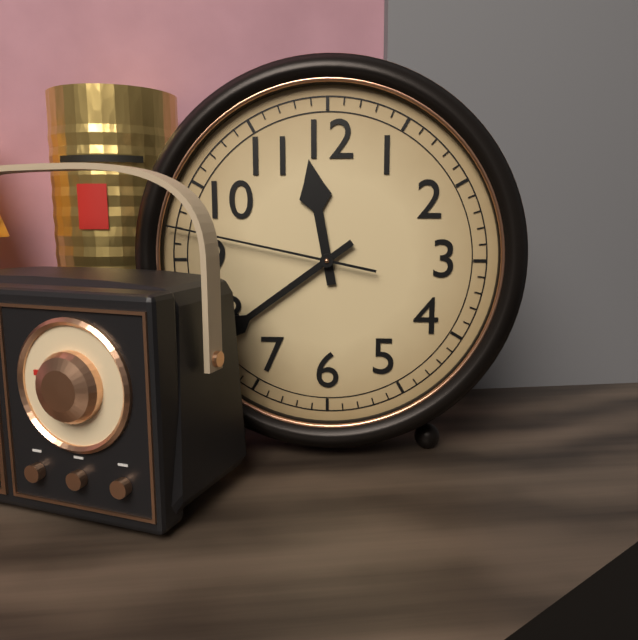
11:39:47
